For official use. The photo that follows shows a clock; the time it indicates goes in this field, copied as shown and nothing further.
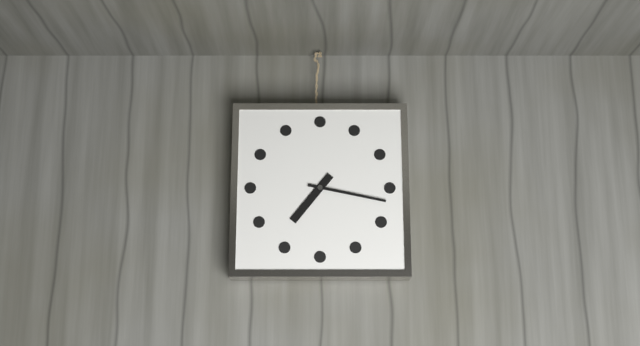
7:17
